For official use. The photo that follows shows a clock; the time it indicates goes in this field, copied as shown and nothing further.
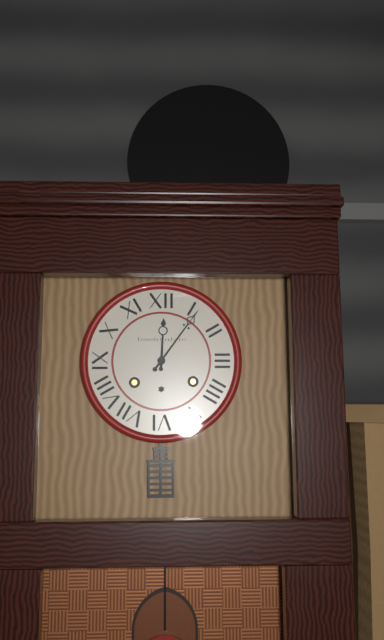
12:06
